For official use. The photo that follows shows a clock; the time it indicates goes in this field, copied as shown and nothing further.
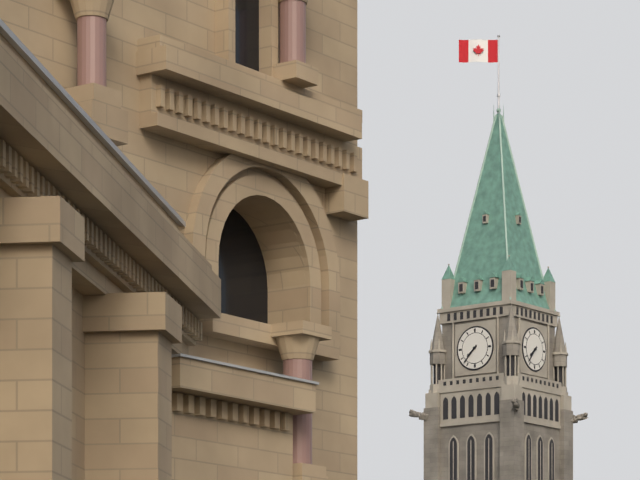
7:37
